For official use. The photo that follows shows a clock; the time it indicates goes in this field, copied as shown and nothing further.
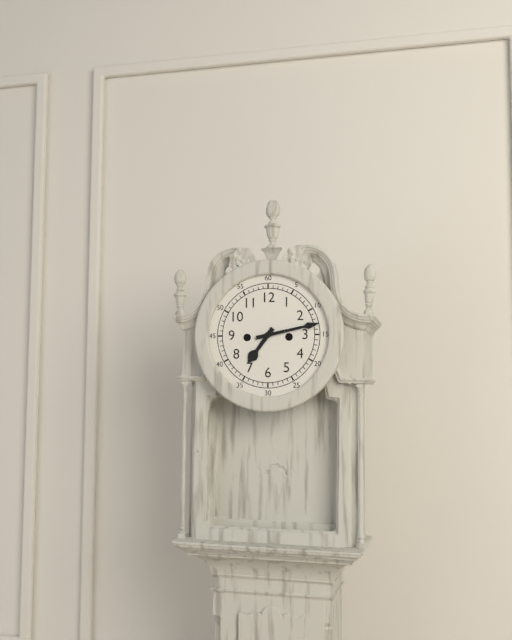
7:13
